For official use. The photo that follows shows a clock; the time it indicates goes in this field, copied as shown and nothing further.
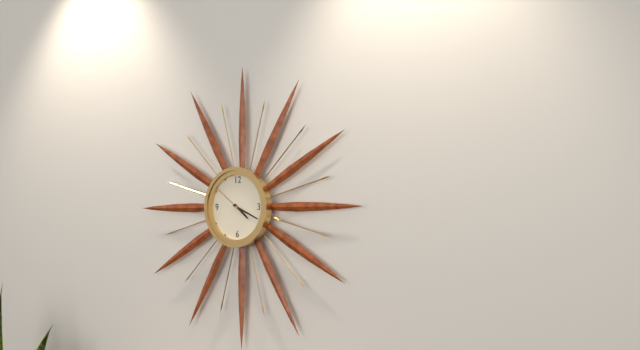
4:19
